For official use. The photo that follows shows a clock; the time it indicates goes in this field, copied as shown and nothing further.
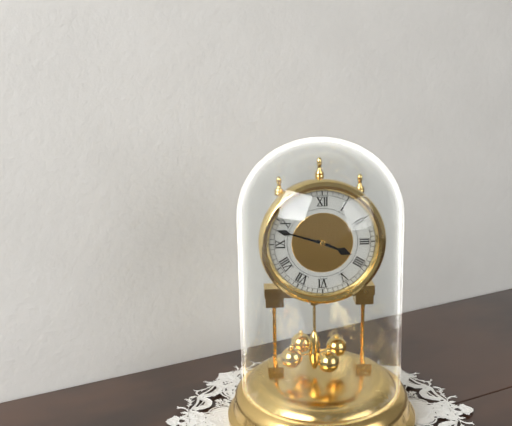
3:48
